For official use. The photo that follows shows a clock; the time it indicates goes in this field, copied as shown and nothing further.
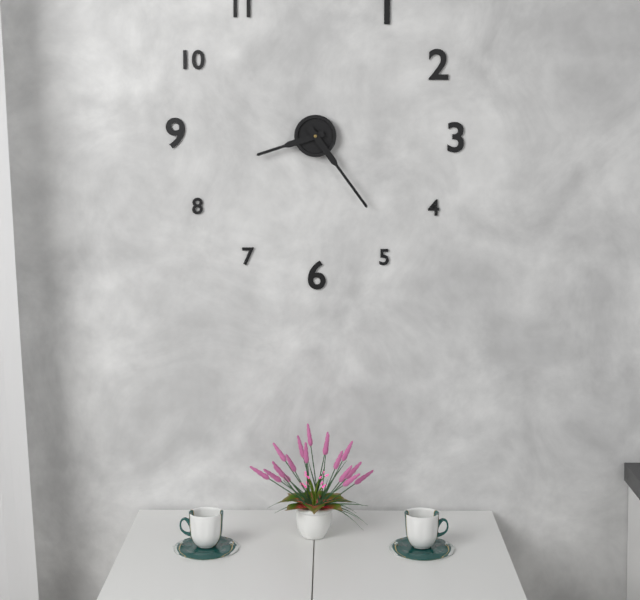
8:24
